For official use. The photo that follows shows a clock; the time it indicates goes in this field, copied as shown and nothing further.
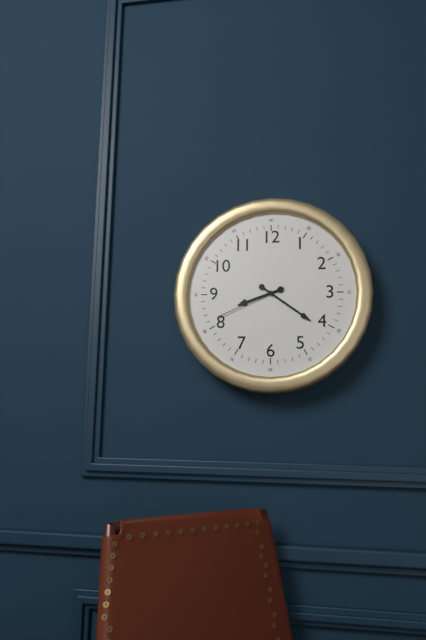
8:21:41
